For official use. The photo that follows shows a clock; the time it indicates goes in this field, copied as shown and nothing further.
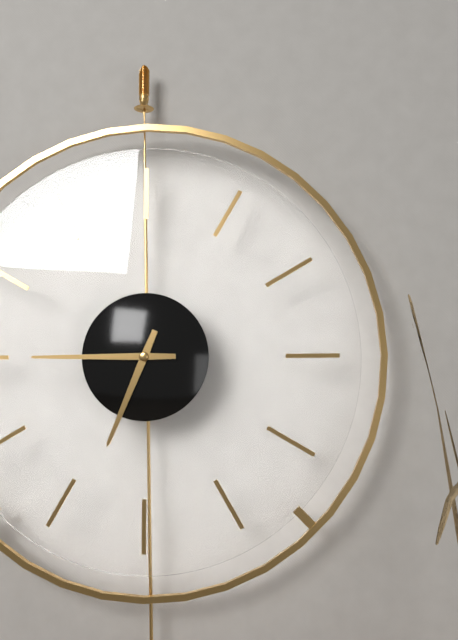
6:45
